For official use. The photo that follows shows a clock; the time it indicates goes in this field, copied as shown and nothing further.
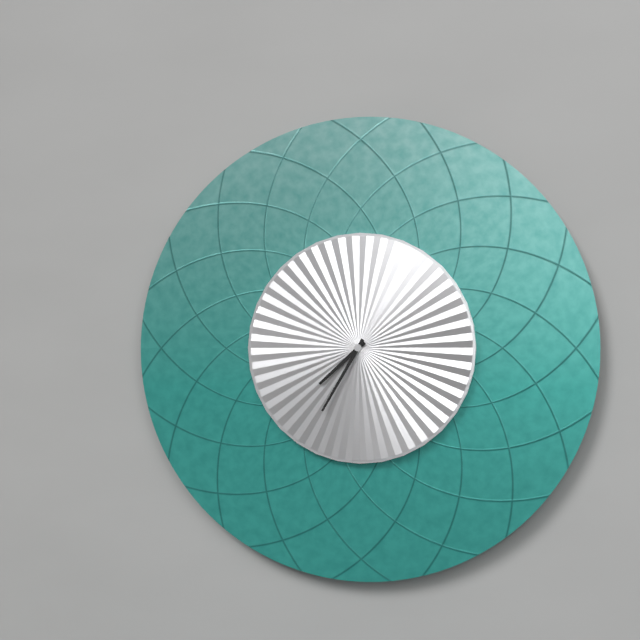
7:35
